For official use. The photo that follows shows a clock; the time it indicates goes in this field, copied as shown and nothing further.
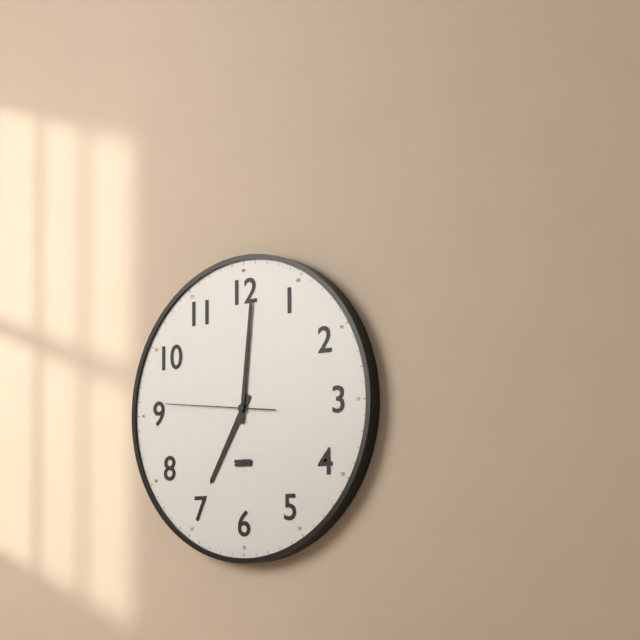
7:01:46
